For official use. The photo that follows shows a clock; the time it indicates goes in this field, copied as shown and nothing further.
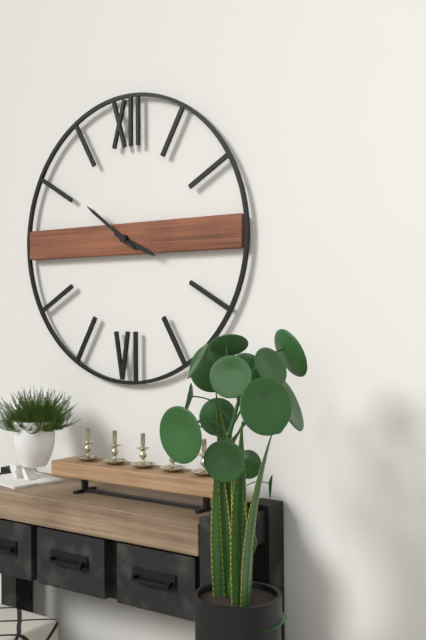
3:51
